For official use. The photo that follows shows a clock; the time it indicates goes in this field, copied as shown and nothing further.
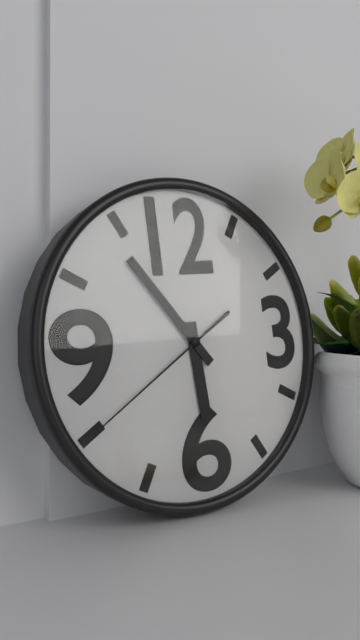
5:54:40
